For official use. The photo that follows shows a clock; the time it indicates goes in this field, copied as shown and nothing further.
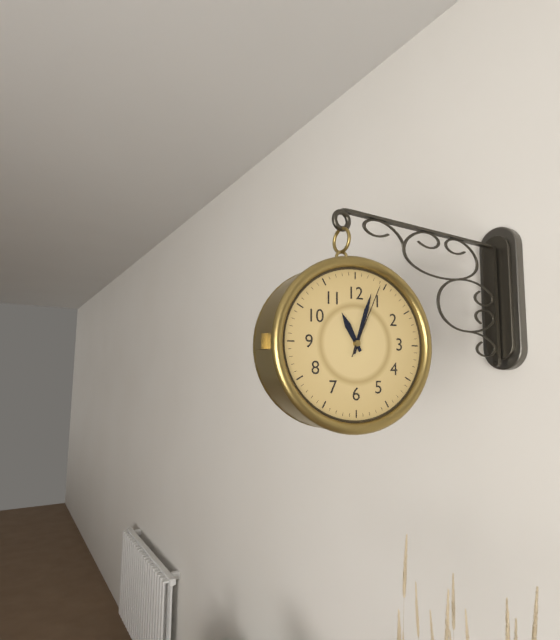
11:03:04
